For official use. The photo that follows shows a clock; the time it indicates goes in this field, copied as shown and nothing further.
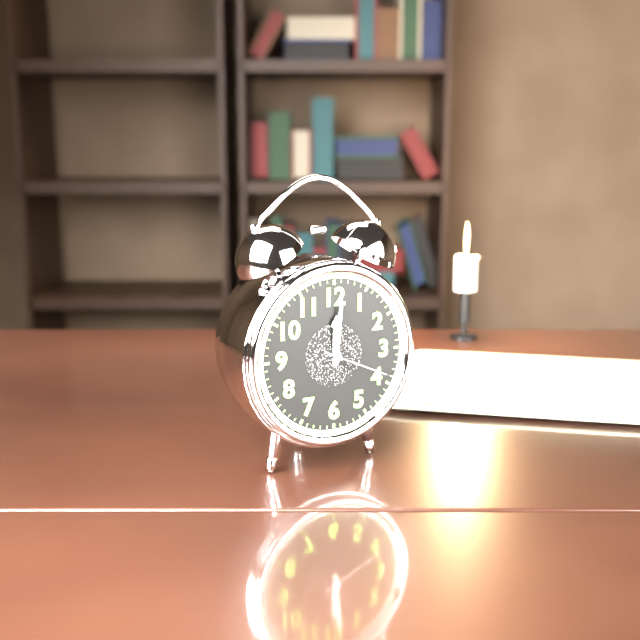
12:01:19
